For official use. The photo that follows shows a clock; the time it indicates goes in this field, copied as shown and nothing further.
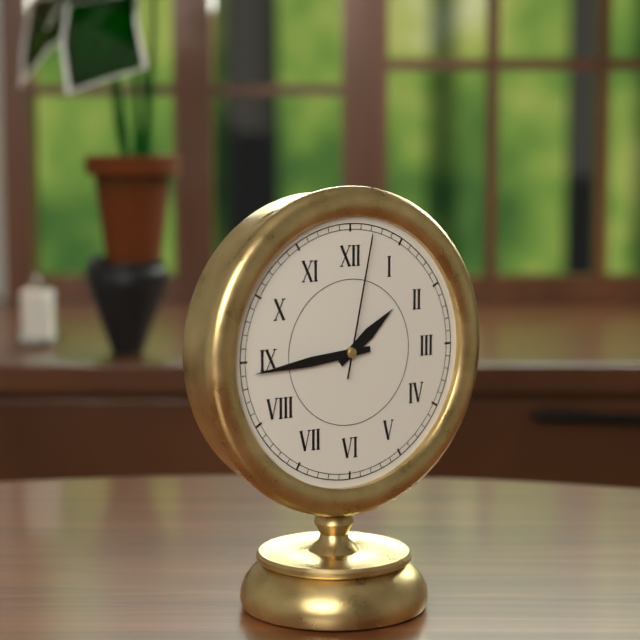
1:44:02
